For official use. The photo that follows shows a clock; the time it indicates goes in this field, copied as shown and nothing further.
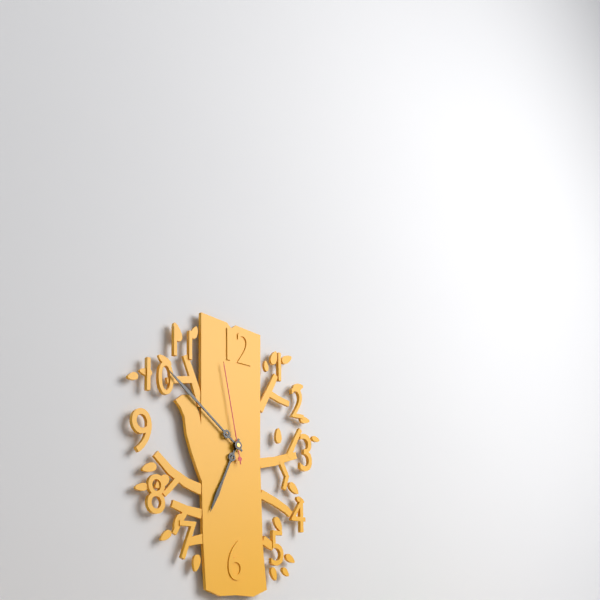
6:51:58
